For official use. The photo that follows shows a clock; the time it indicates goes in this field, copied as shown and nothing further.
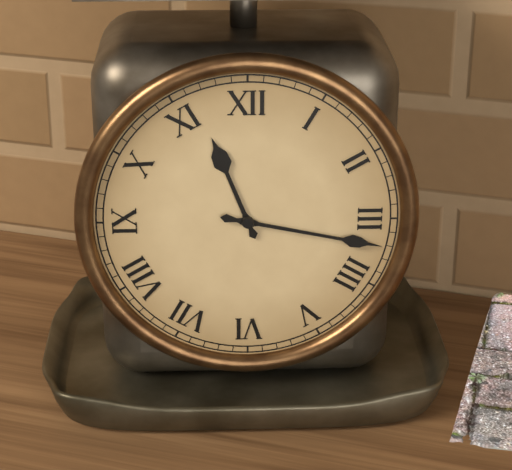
11:17
